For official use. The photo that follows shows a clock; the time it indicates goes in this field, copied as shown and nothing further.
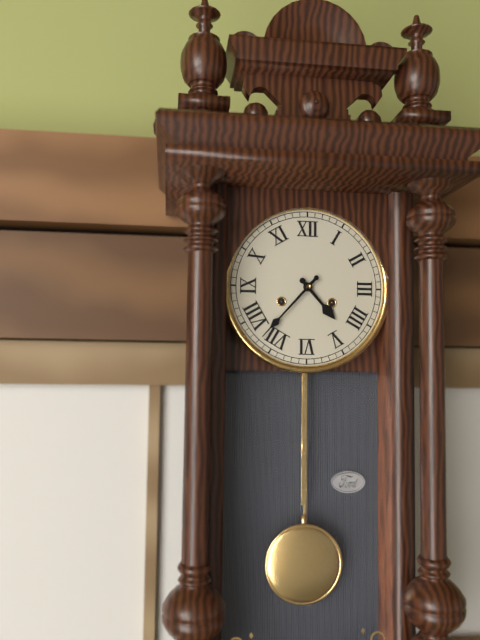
4:37
